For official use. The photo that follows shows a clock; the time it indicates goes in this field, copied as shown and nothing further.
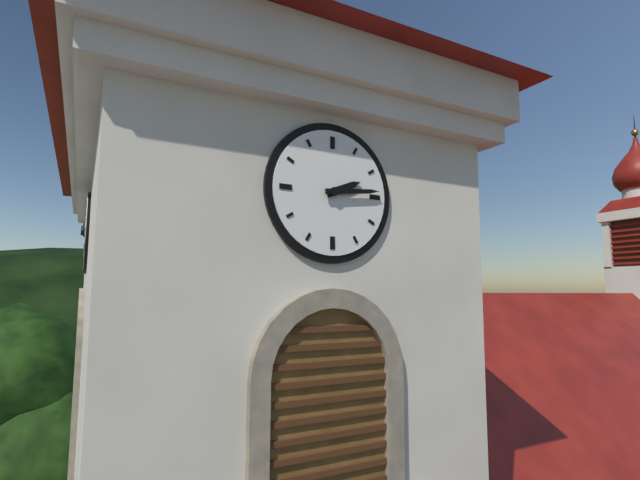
2:14
